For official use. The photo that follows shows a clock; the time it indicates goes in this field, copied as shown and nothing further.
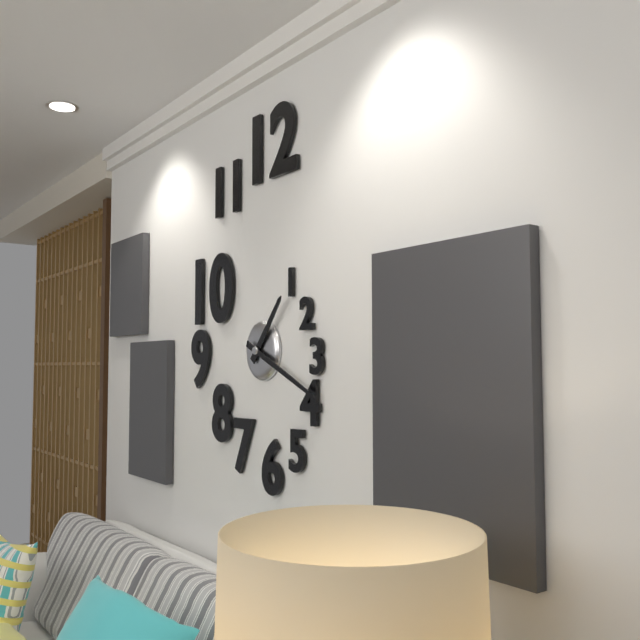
1:19
